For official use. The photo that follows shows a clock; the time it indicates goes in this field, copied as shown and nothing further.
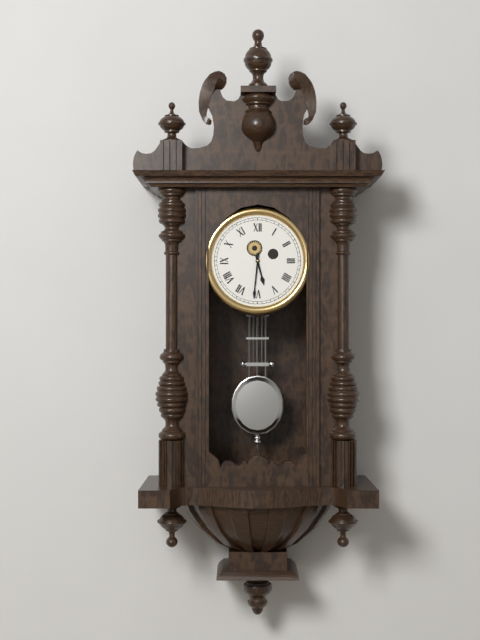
5:31
